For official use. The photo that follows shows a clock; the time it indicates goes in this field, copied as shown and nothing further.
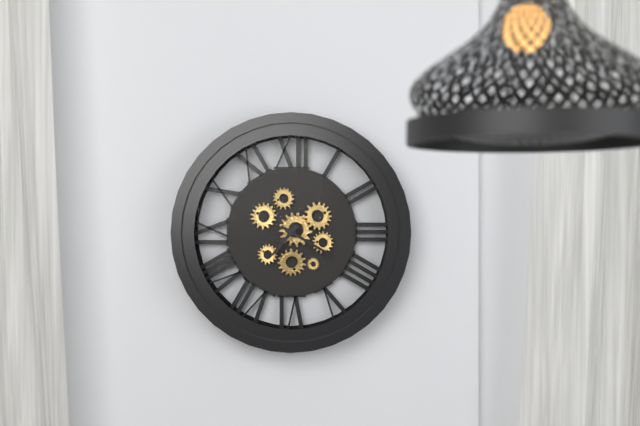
7:20
